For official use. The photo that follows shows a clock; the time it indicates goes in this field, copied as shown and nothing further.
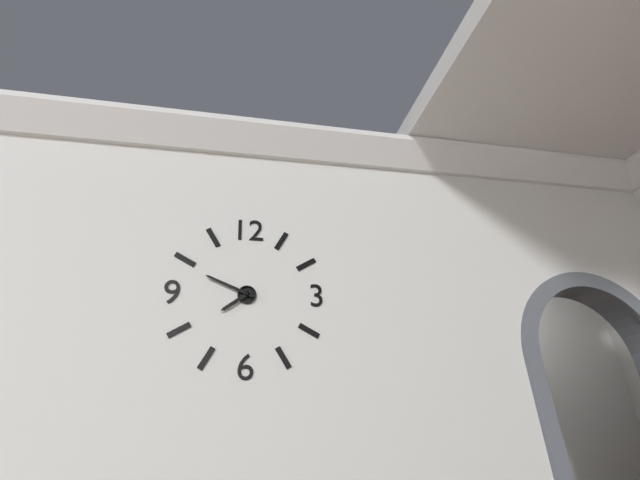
7:49
